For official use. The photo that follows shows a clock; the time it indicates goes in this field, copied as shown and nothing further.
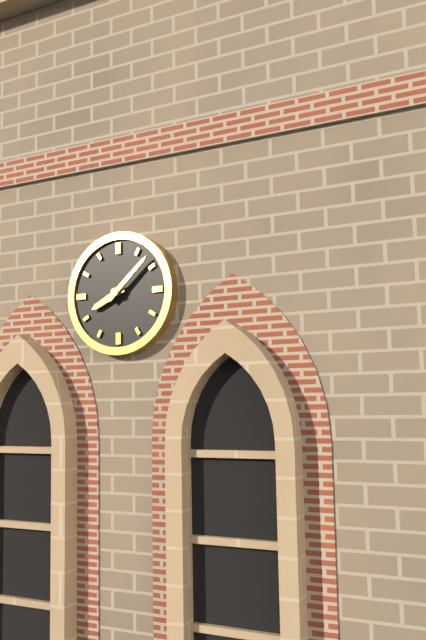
8:08
